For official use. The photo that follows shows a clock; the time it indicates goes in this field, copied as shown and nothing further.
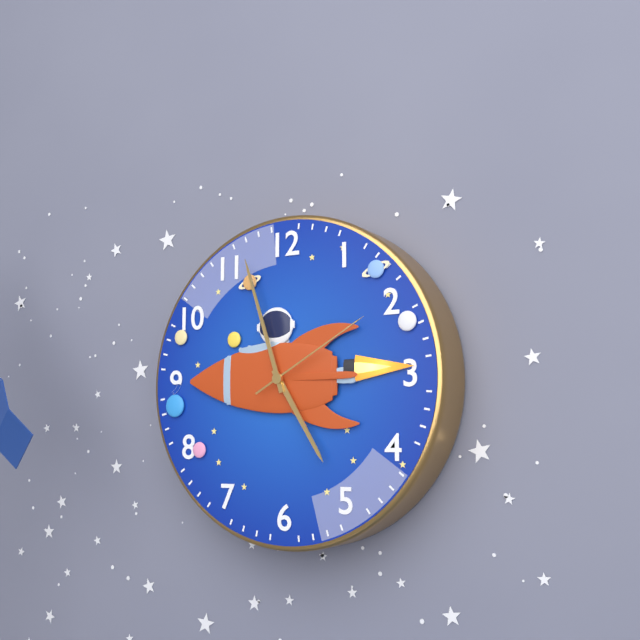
4:57:10
